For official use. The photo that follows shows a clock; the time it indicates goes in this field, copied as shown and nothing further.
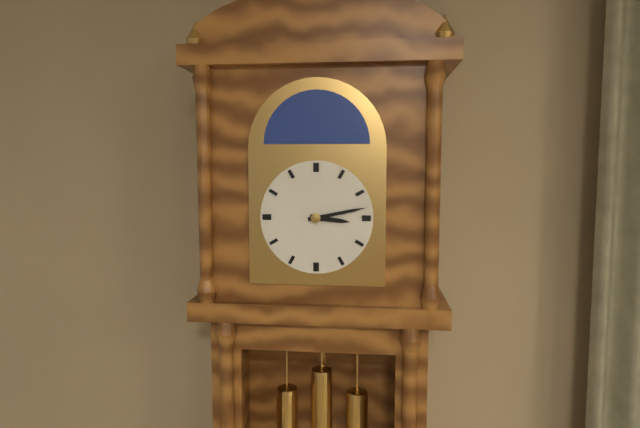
3:13
